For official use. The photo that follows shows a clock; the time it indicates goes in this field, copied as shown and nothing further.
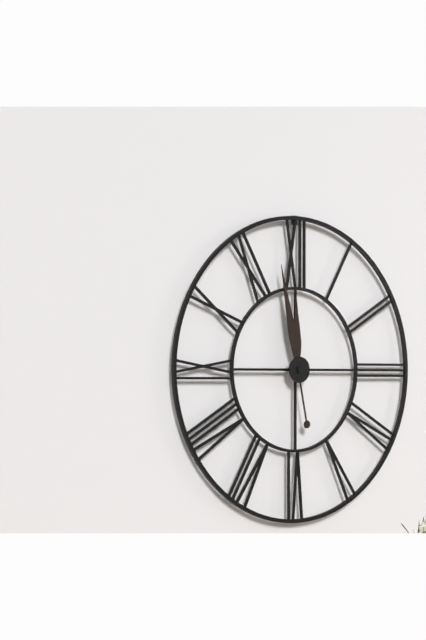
11:58
